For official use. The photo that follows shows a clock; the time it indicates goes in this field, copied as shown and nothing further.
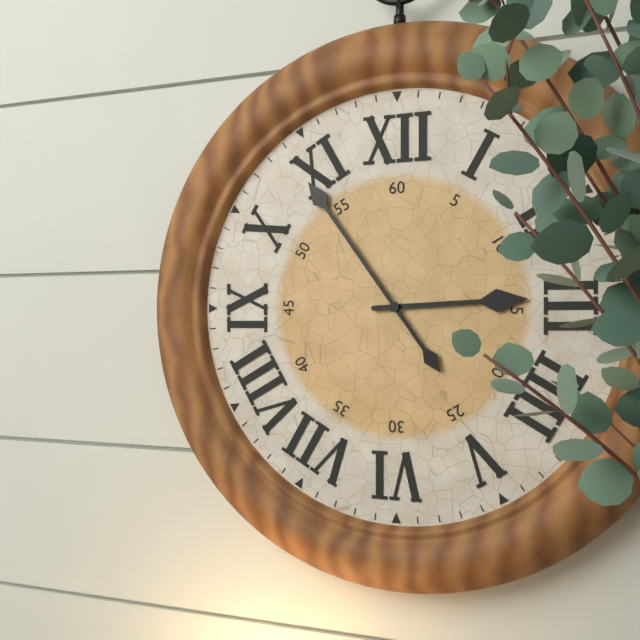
2:54
